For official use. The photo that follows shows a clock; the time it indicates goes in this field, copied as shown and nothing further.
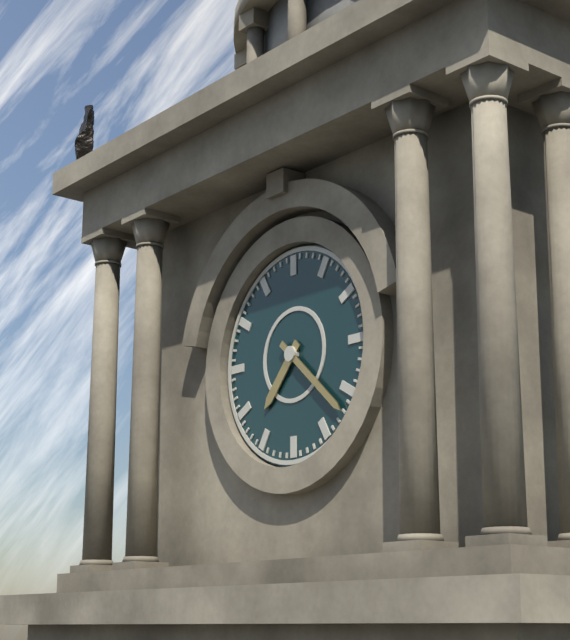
7:22
